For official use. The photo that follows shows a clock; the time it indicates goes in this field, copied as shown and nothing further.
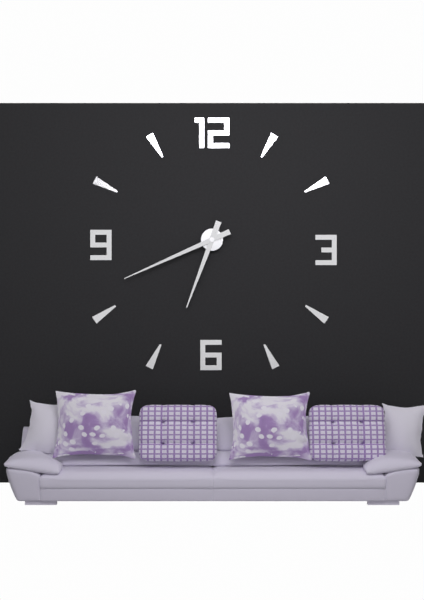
6:41
